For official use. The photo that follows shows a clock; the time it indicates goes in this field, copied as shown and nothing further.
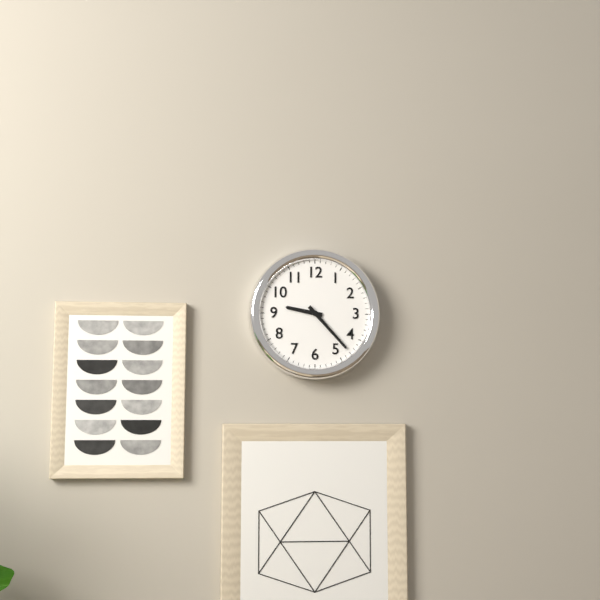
9:23
